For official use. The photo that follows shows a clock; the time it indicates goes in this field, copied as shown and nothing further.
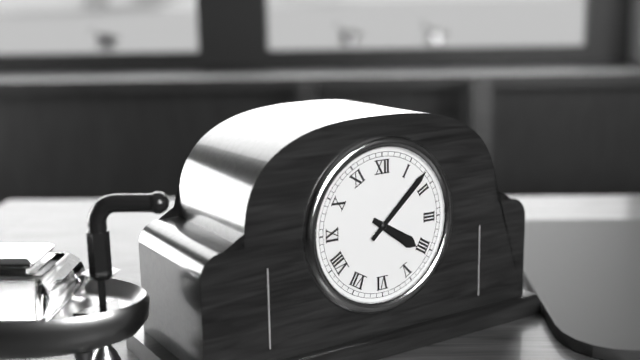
4:08
